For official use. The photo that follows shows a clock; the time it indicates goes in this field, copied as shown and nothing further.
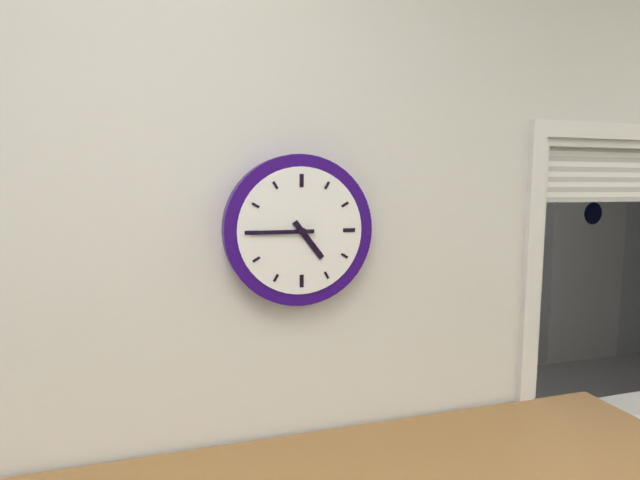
4:45
